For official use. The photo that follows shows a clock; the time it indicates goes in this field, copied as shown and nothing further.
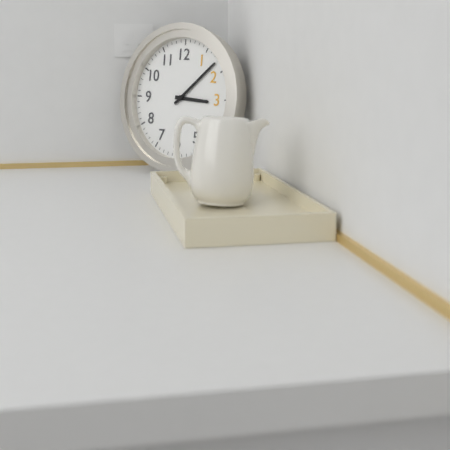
3:08
